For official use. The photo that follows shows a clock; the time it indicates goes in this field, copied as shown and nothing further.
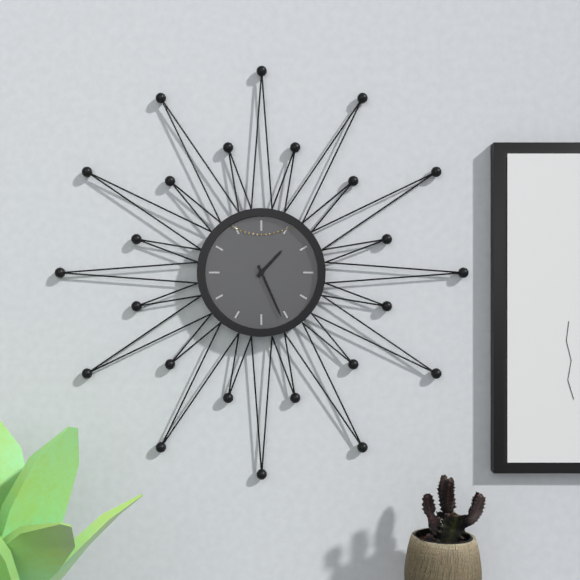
1:26
